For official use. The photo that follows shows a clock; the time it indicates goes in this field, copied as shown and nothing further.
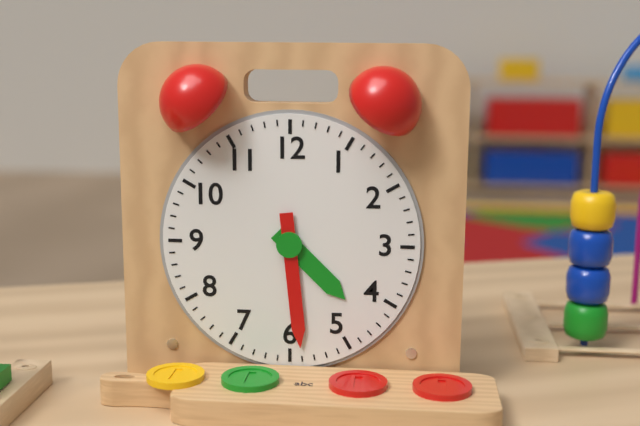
4:29
